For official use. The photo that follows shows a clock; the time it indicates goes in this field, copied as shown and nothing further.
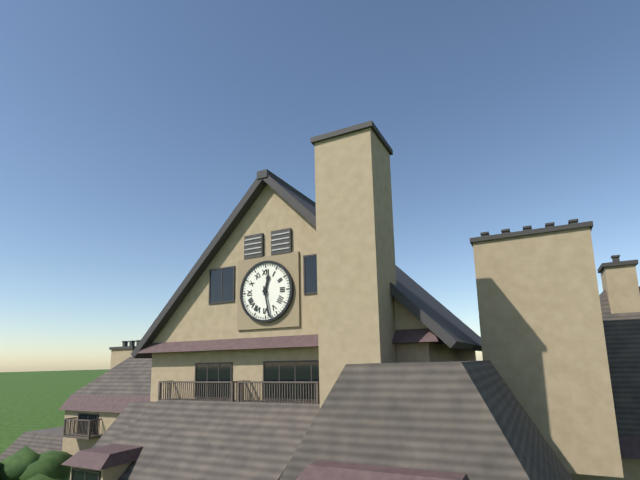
12:28
